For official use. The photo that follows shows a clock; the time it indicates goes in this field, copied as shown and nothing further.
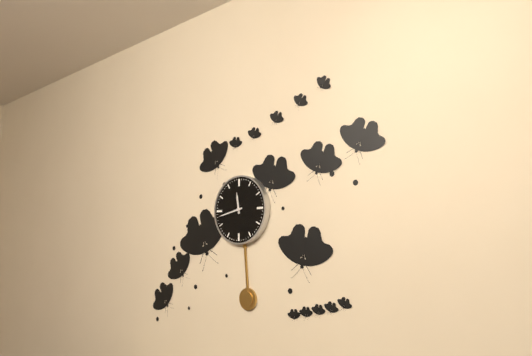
11:43
